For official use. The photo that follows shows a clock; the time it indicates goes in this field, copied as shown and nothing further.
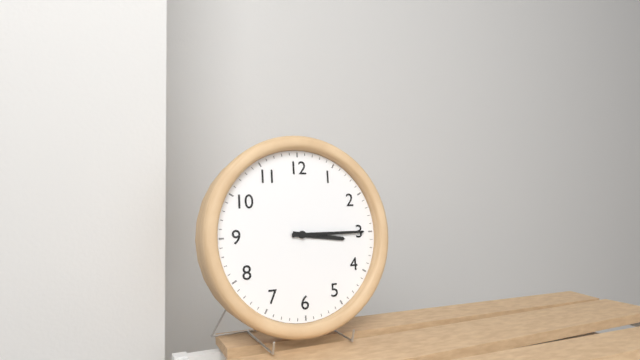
3:15
